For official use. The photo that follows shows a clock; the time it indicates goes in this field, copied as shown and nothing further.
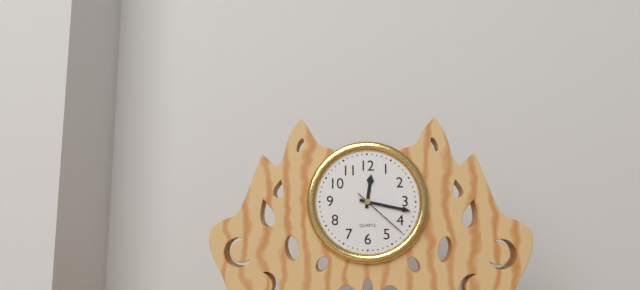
12:17:22
